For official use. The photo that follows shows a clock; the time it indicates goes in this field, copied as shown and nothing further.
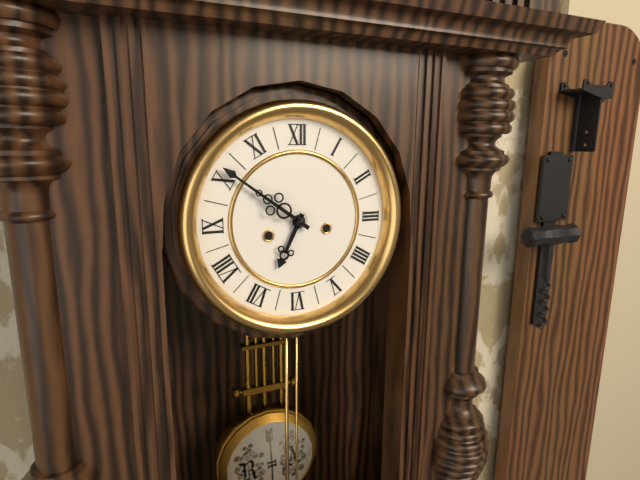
6:51
